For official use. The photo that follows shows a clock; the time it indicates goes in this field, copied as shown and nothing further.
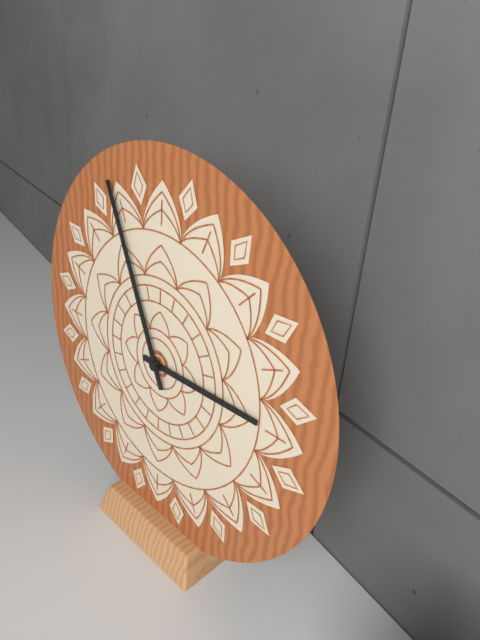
2:56
